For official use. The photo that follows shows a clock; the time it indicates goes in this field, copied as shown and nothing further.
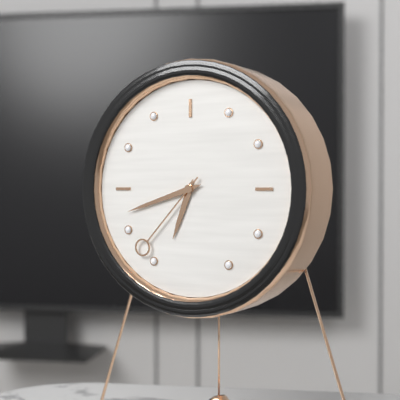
6:42:37
